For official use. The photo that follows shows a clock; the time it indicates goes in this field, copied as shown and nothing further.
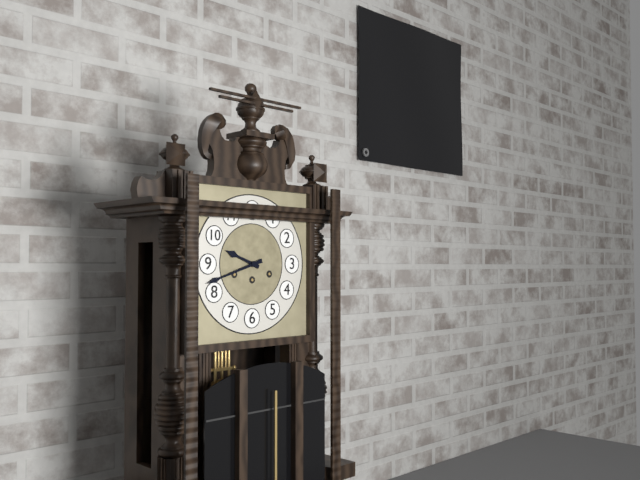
9:42
